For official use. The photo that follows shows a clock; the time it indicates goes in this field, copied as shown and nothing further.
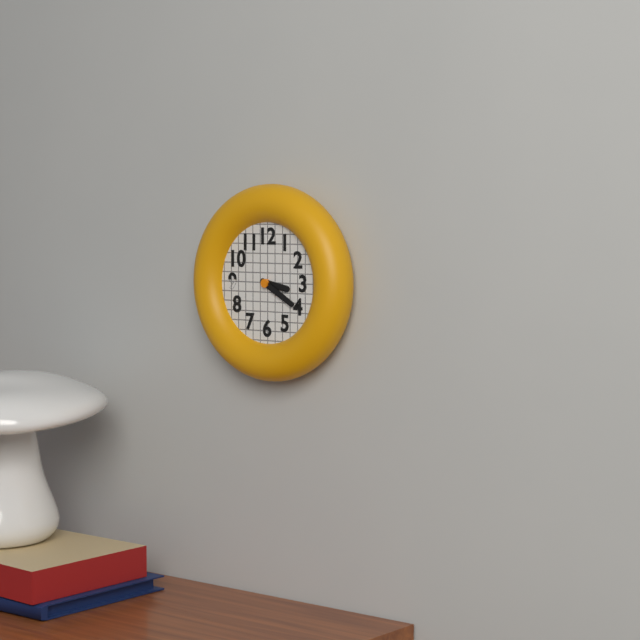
3:20
